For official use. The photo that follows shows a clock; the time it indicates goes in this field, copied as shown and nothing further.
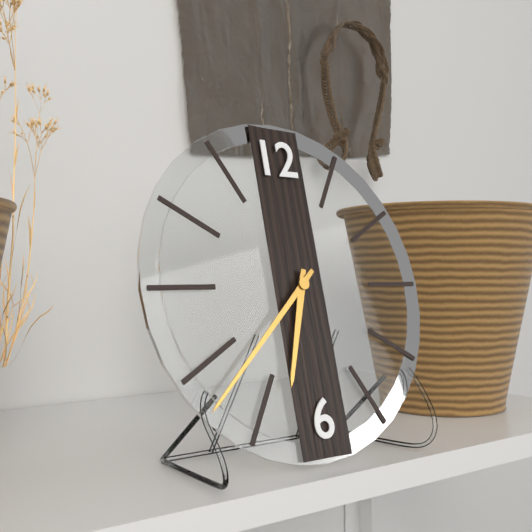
6:38
